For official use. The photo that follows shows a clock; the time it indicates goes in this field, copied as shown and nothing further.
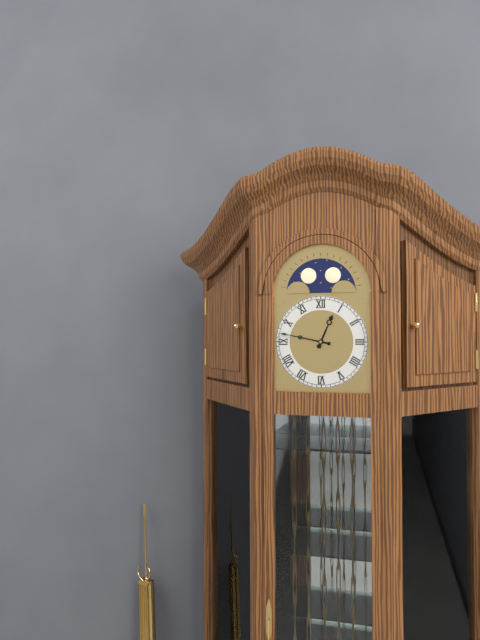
12:47
